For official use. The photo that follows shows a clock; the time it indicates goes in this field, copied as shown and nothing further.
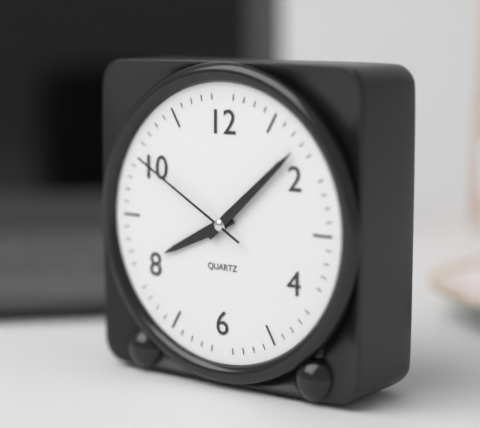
8:08:50
